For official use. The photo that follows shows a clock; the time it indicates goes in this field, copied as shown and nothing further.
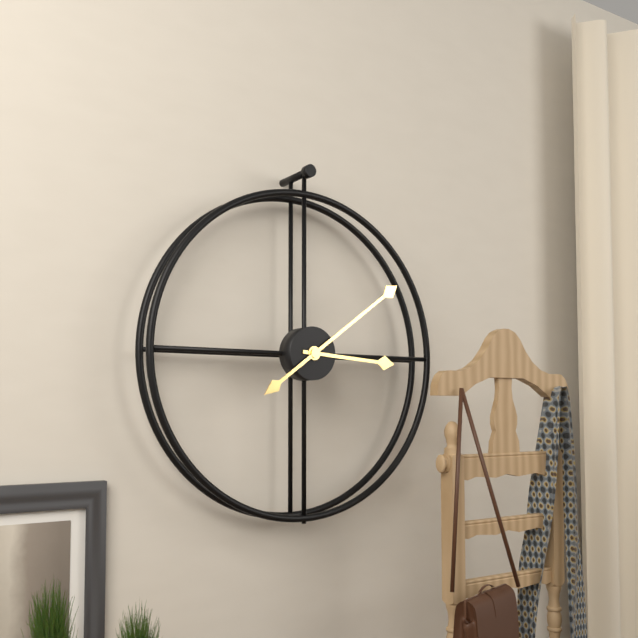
3:09
